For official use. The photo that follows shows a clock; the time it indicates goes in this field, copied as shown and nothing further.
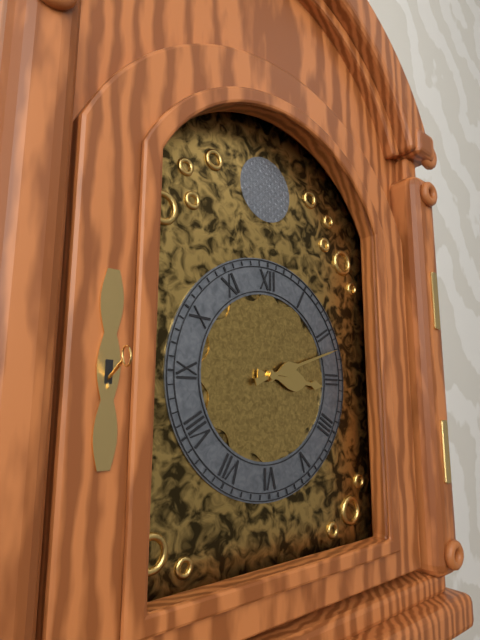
3:12
